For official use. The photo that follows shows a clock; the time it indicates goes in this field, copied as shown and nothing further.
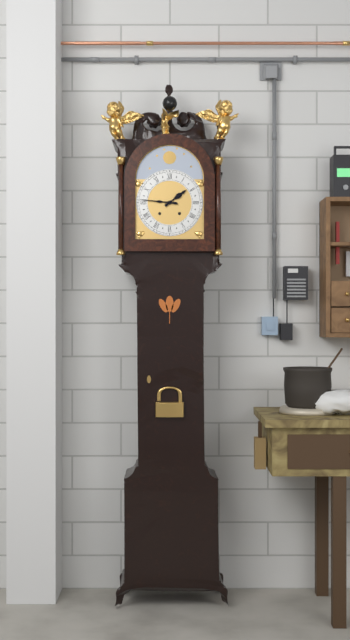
1:46
